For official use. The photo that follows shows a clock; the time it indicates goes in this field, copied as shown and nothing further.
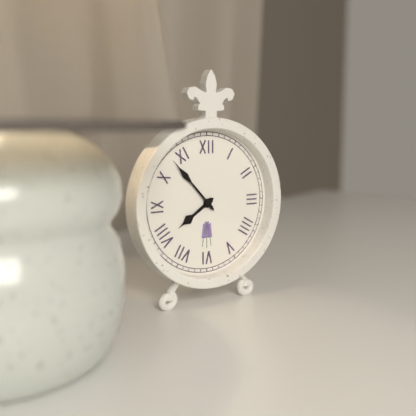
7:53
